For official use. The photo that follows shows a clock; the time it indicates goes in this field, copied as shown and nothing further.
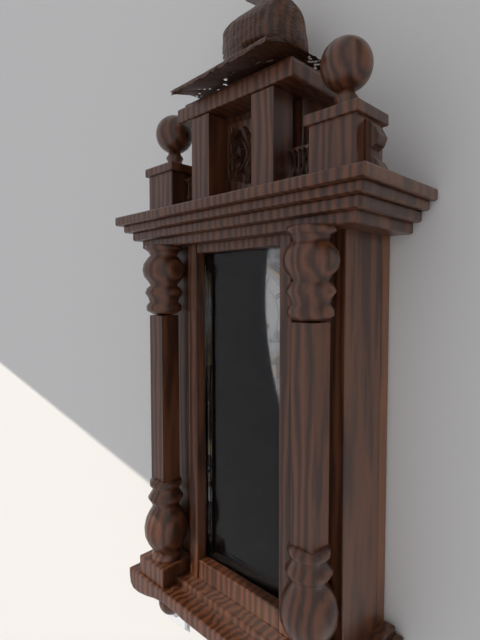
6:29
